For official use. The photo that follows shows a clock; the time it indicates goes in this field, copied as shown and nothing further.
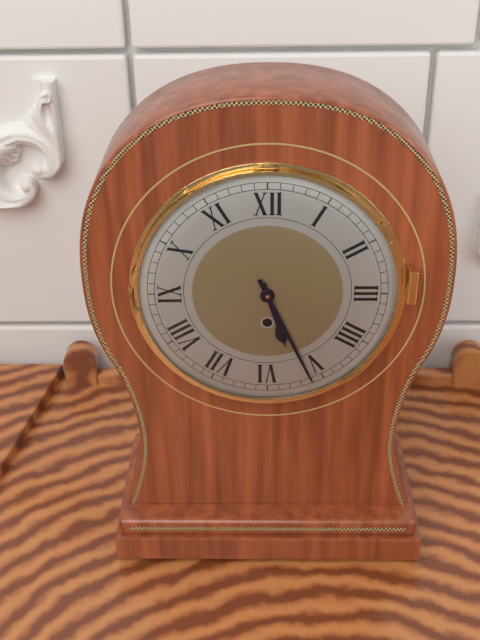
5:26
